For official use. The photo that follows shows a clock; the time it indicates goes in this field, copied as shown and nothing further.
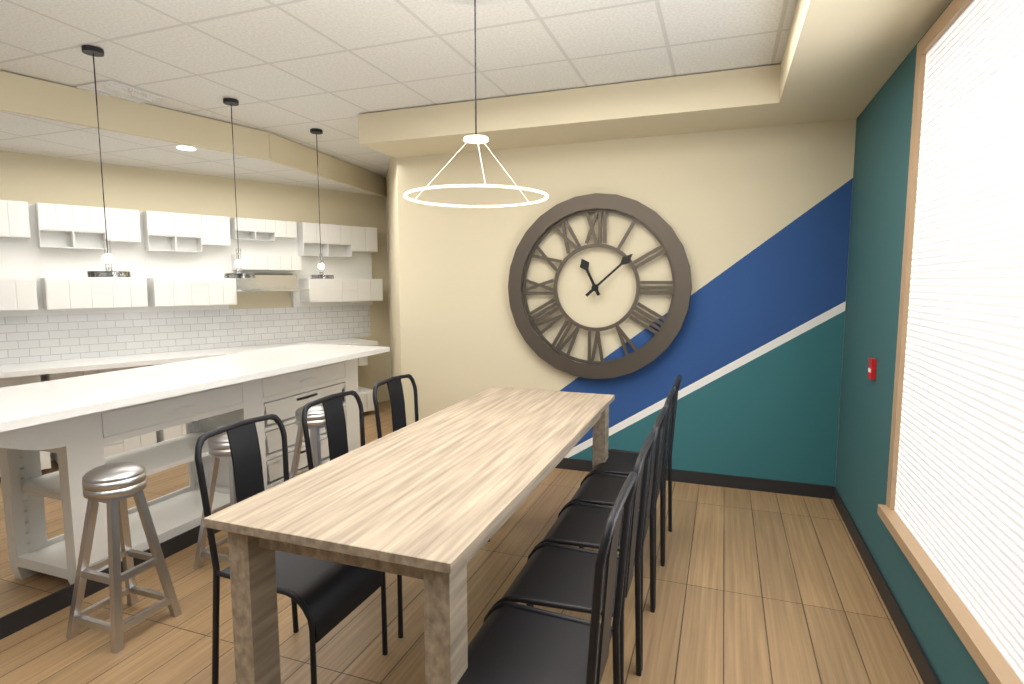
11:08
